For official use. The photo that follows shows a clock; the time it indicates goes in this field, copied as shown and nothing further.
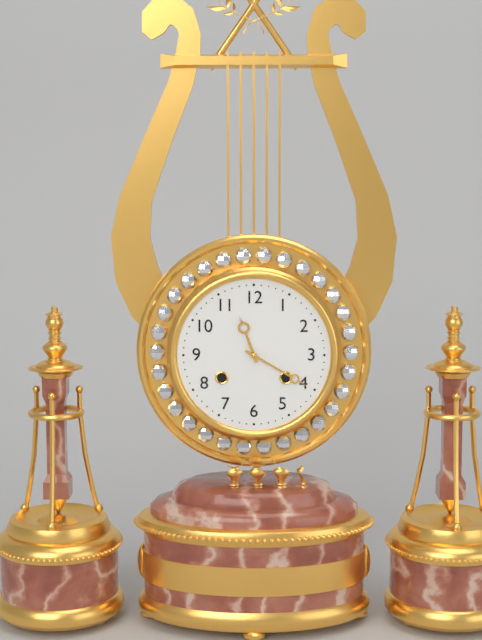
11:20
